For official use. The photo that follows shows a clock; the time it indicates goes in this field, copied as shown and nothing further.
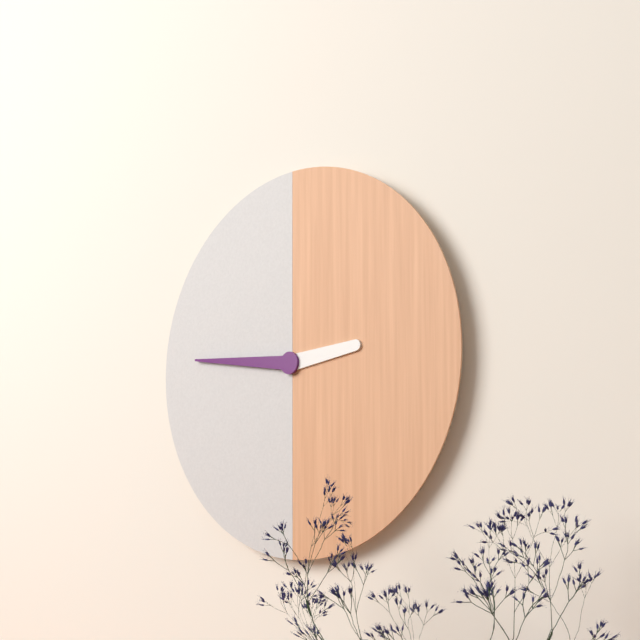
2:46
